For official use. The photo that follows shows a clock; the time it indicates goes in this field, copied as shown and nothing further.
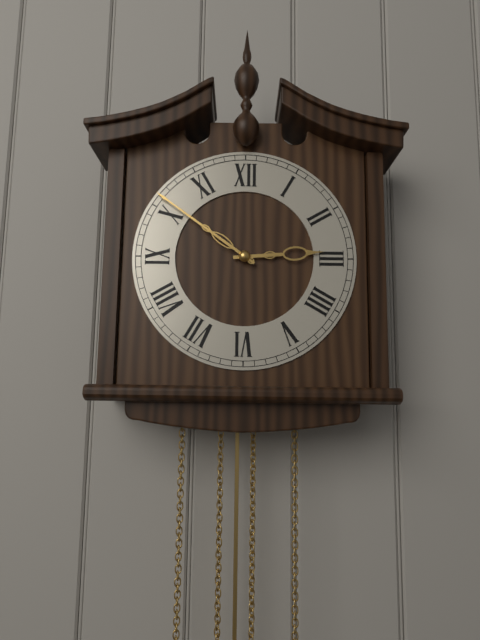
2:51
